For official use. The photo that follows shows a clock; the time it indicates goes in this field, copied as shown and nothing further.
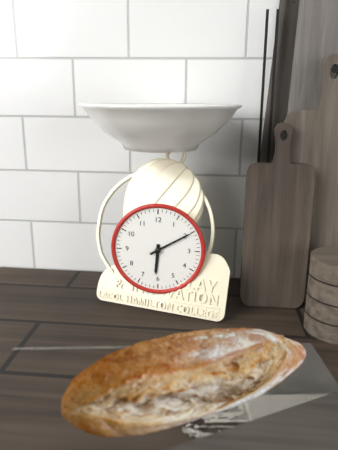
6:10
